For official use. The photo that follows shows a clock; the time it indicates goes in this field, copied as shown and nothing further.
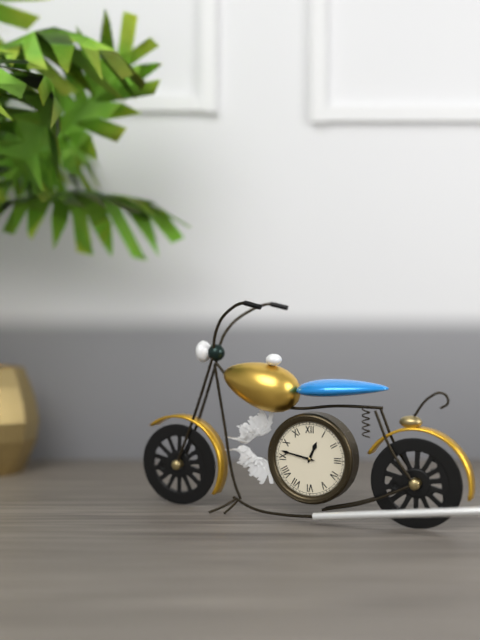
12:47
